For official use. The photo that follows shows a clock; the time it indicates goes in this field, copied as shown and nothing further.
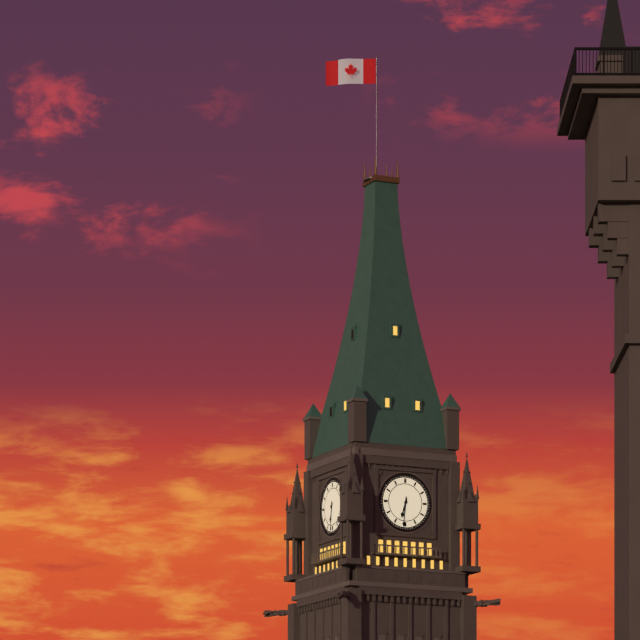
6:31
